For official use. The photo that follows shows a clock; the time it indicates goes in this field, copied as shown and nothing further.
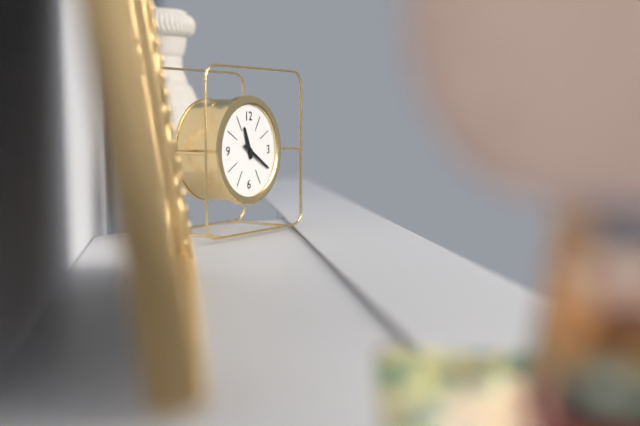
11:20
